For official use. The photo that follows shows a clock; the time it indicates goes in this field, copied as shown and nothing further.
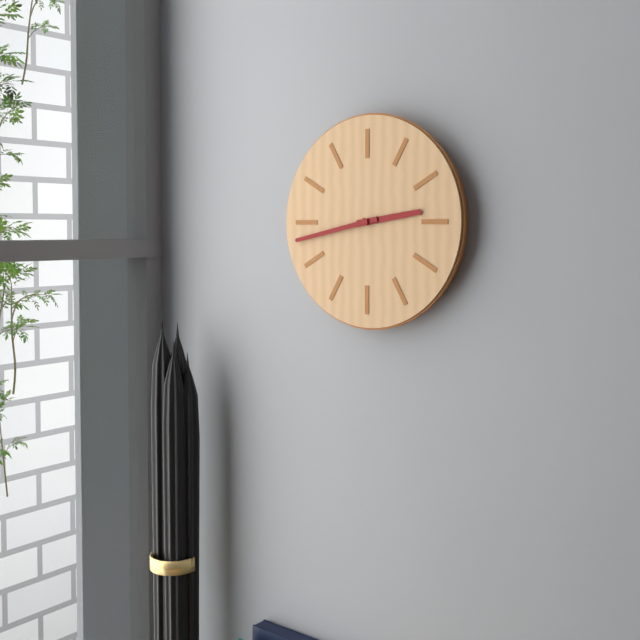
2:43
